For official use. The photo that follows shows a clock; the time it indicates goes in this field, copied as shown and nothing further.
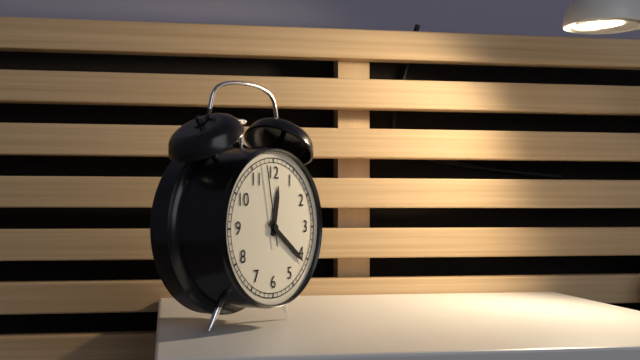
12:21:58
